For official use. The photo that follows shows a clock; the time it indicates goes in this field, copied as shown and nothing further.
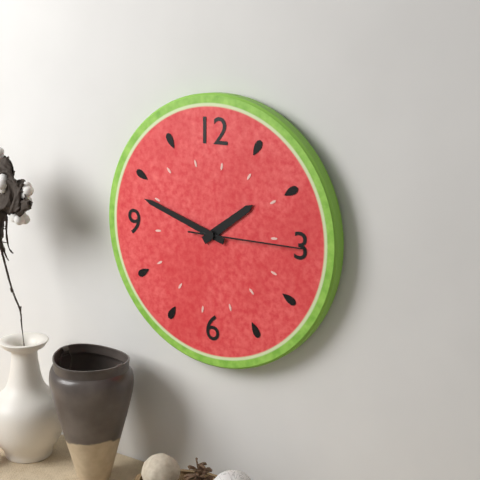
1:48:15
